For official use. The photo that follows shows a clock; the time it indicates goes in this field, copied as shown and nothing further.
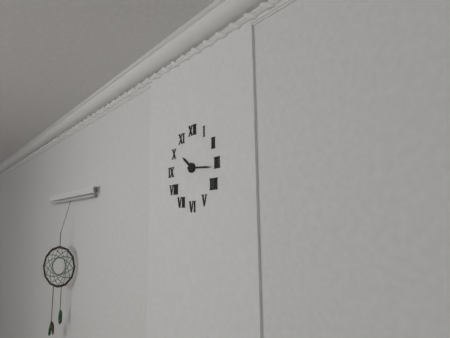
10:16
